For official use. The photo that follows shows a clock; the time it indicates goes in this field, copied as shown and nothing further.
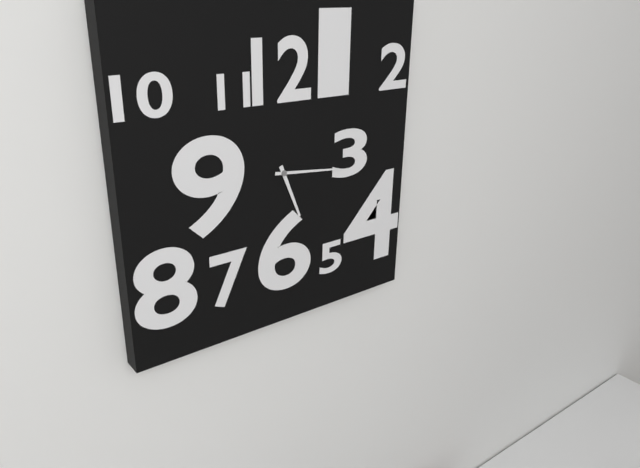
5:16
